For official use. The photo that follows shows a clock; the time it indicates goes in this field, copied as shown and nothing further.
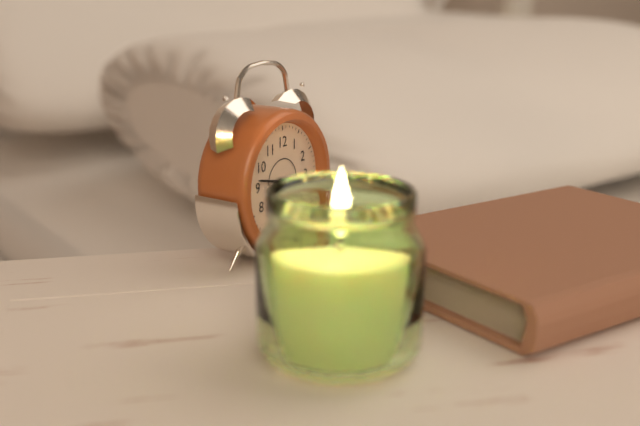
3:47
